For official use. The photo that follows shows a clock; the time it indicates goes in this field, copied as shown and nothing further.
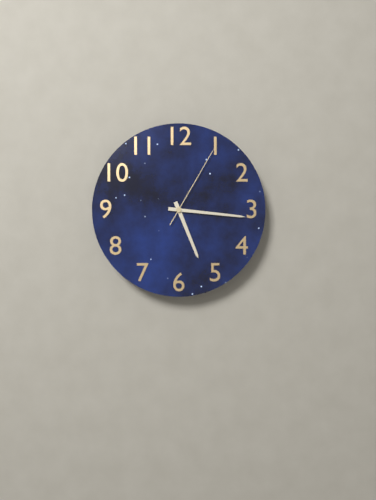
5:16:05
